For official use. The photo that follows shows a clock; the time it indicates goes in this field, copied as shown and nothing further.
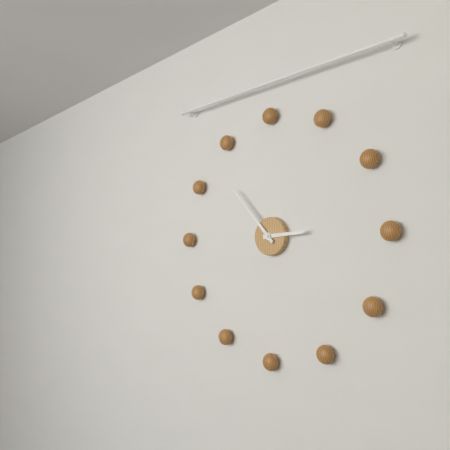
2:53
